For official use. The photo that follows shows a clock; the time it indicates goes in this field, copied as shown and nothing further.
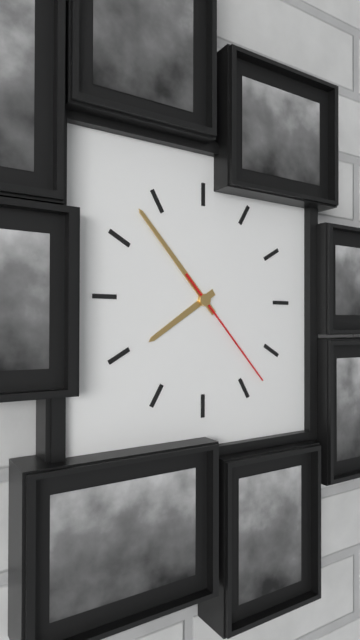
7:53:23
